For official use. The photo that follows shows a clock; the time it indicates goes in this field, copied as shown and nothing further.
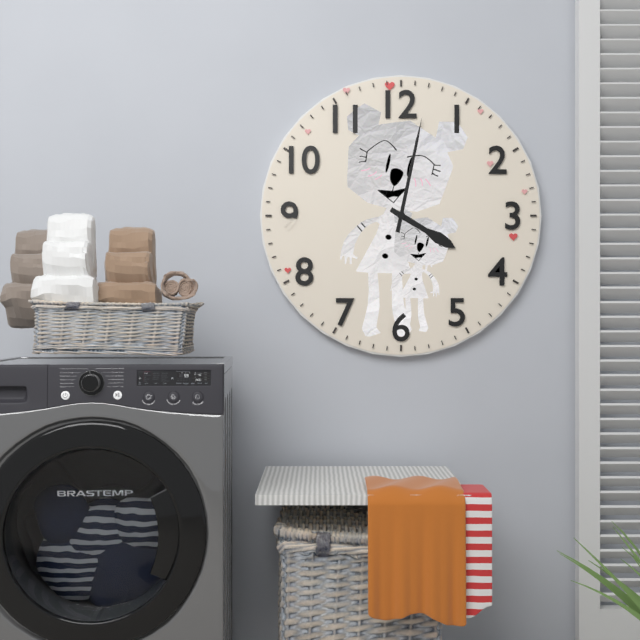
4:02
